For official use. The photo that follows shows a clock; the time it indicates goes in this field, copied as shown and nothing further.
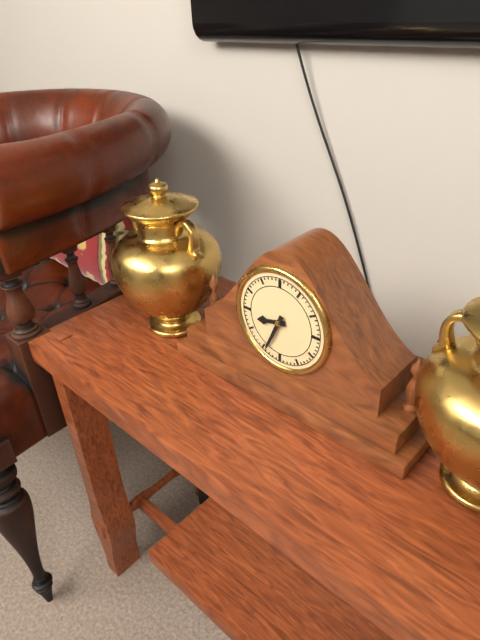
8:34
